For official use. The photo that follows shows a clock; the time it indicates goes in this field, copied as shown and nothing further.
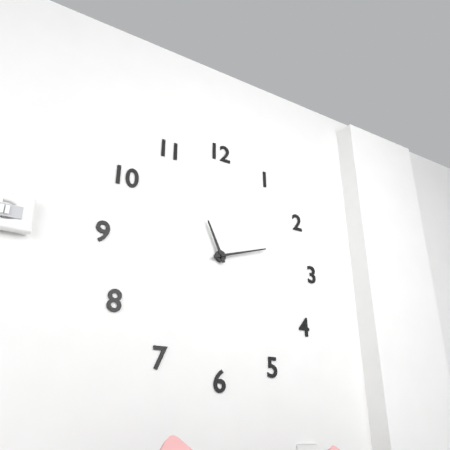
11:12
